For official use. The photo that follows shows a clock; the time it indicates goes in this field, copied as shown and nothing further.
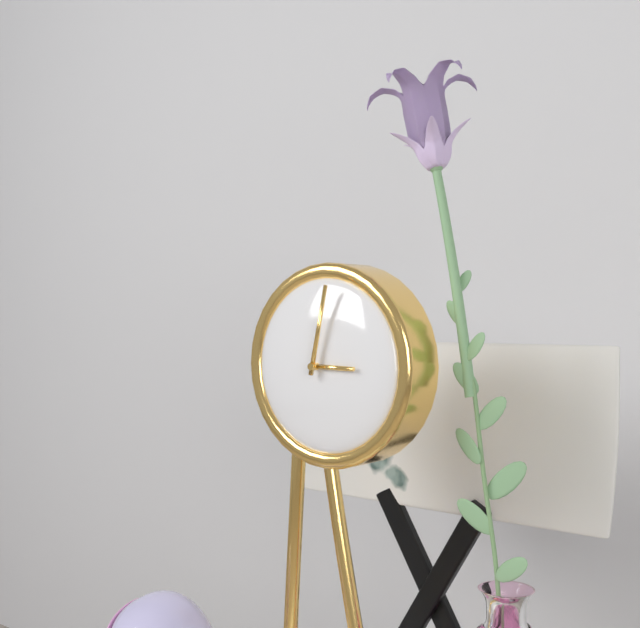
3:02
